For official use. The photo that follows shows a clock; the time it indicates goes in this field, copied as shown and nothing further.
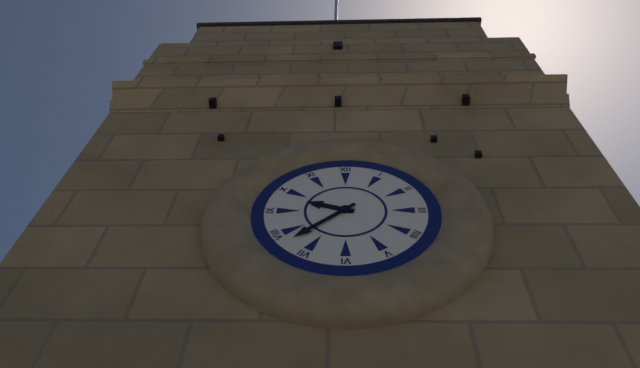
9:38
